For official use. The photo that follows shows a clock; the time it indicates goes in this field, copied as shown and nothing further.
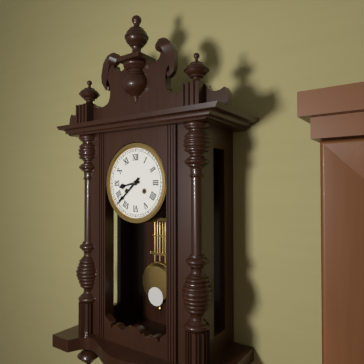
8:38
